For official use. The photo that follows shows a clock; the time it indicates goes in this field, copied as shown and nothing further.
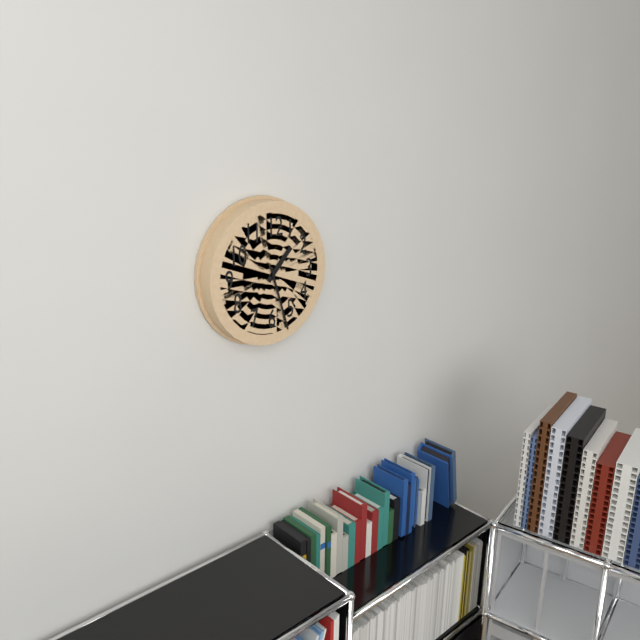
1:27
